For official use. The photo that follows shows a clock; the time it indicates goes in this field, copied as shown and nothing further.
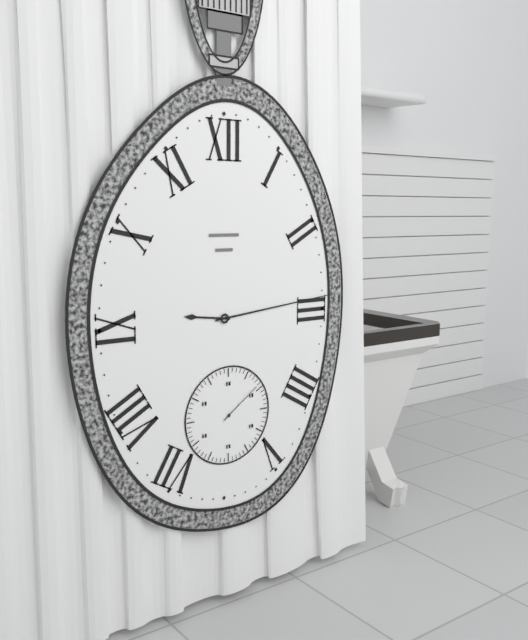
9:14:09
